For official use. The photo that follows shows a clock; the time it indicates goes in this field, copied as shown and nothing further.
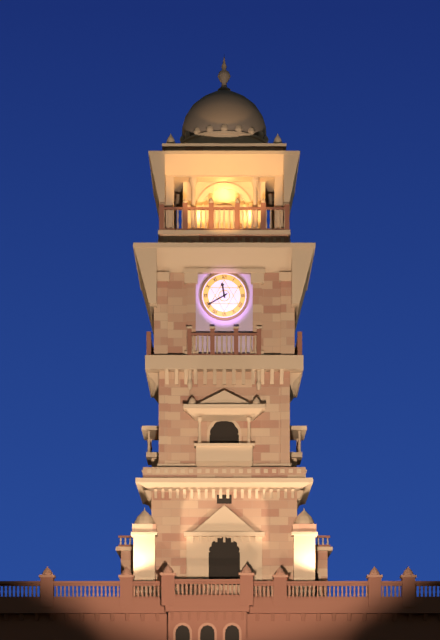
11:40
